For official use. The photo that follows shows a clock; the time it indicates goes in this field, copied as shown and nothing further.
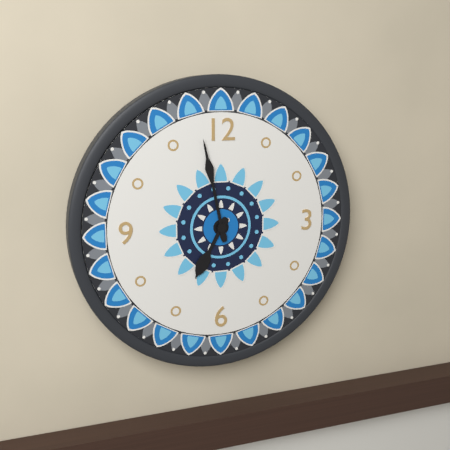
6:58
